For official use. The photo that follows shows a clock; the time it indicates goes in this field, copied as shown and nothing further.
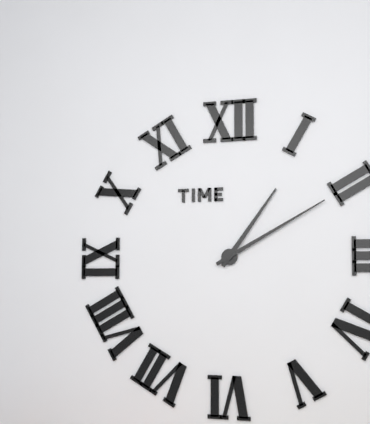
1:10
